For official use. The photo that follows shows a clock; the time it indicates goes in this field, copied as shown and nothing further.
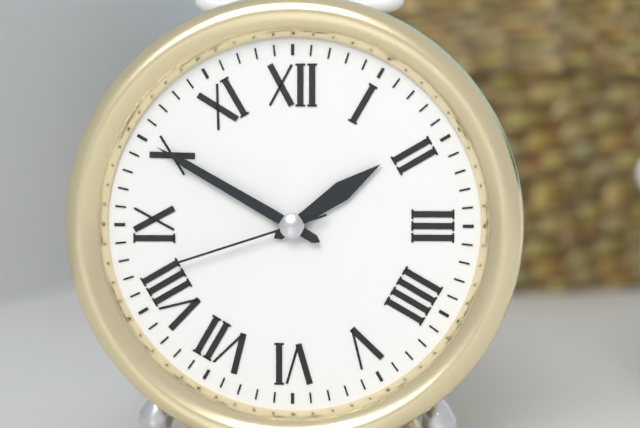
1:50:42
